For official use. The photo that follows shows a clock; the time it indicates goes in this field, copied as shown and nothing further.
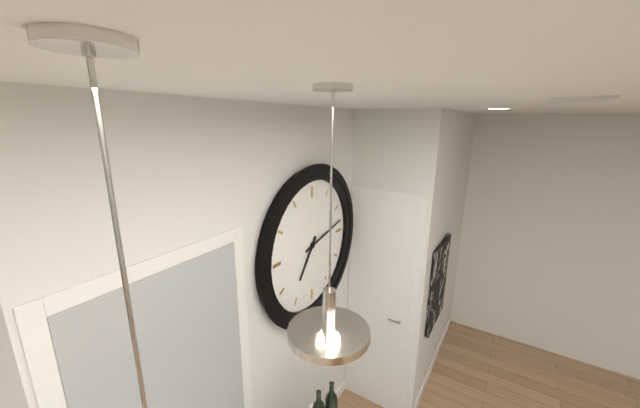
7:13
